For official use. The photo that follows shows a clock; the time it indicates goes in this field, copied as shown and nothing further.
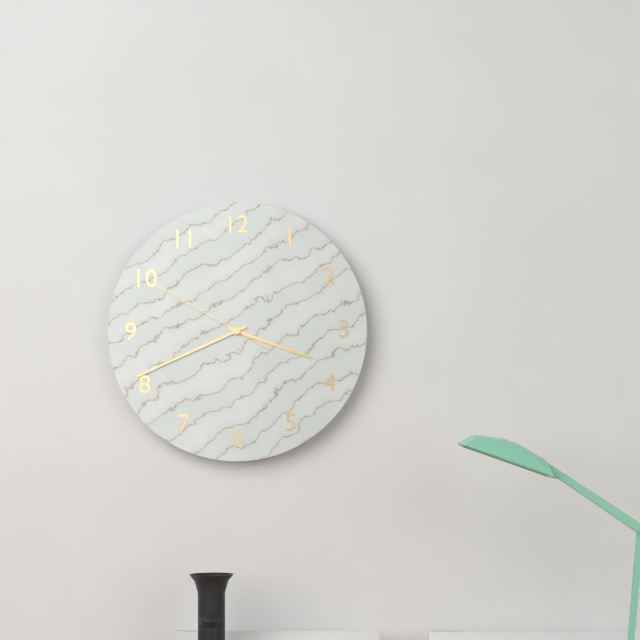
3:41:50
